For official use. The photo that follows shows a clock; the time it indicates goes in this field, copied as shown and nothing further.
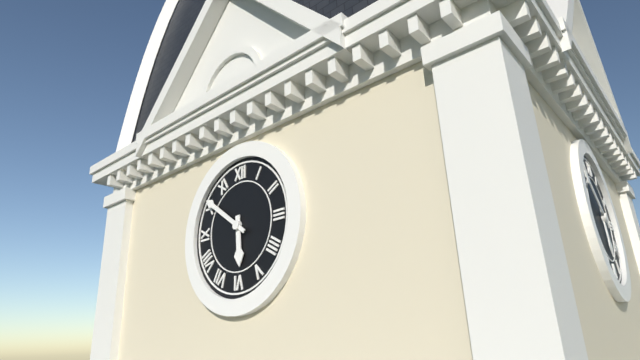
5:51
